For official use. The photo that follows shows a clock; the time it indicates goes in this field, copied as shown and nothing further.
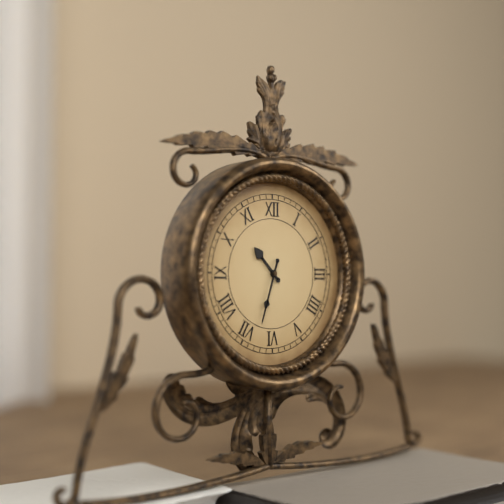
10:33
